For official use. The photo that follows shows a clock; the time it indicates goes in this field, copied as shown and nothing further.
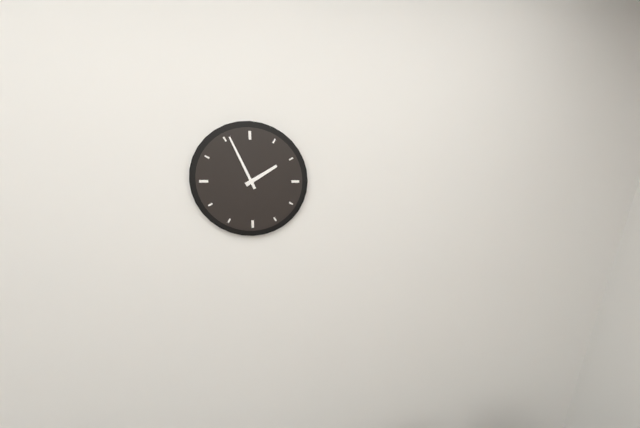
1:56
